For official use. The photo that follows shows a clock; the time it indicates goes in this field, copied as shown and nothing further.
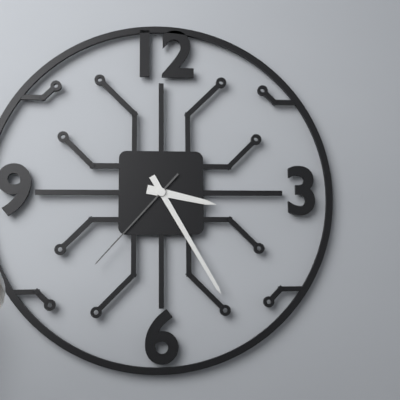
3:25:37
